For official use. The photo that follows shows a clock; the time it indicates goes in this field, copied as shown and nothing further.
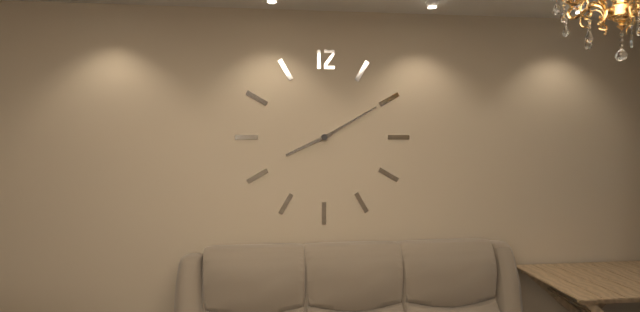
8:10
